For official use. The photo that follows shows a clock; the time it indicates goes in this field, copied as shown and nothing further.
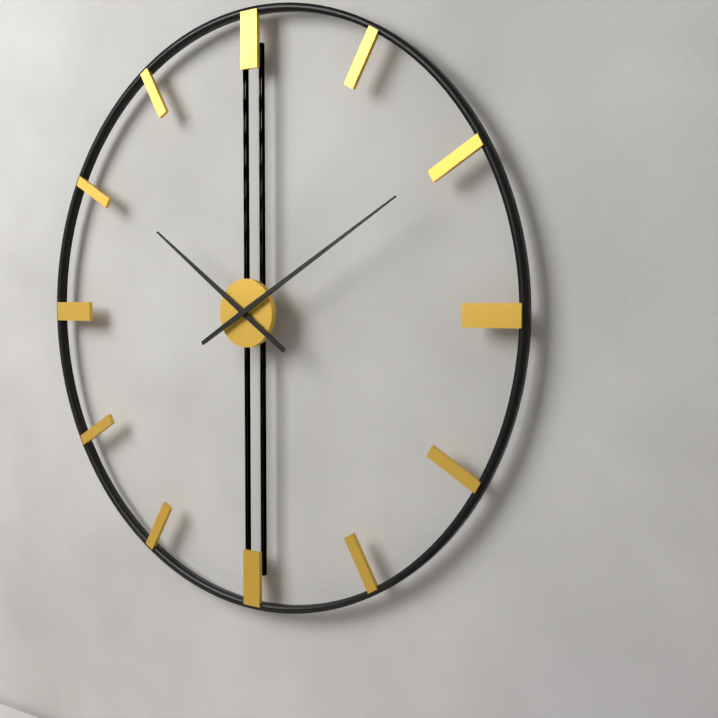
10:10
